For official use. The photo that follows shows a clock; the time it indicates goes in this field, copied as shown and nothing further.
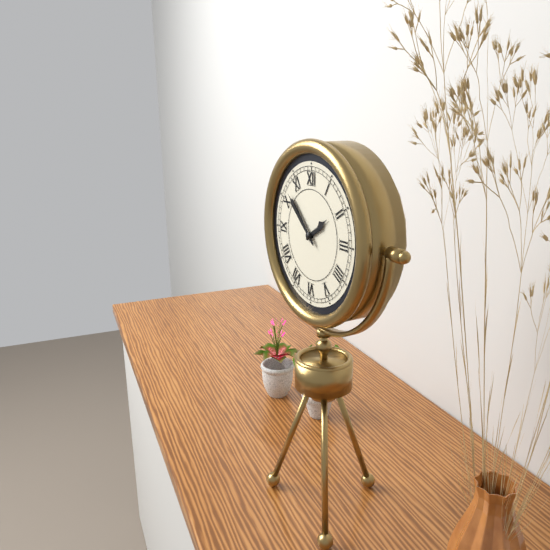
1:52
